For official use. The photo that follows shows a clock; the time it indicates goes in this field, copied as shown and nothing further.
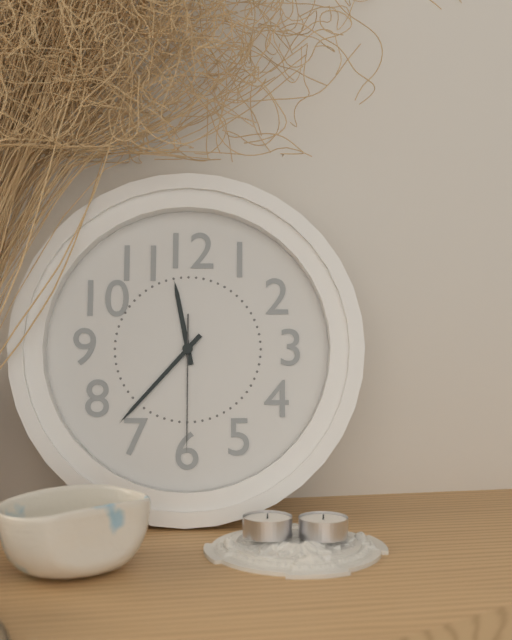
11:37:30
